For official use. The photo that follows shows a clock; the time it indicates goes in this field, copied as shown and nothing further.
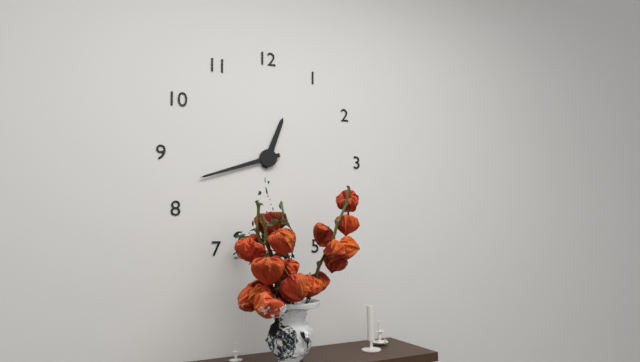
12:42
